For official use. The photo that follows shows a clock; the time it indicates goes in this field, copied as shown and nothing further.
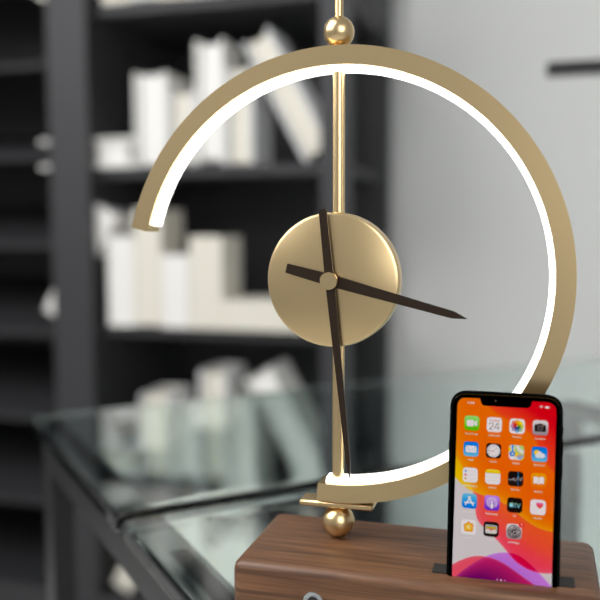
3:29
